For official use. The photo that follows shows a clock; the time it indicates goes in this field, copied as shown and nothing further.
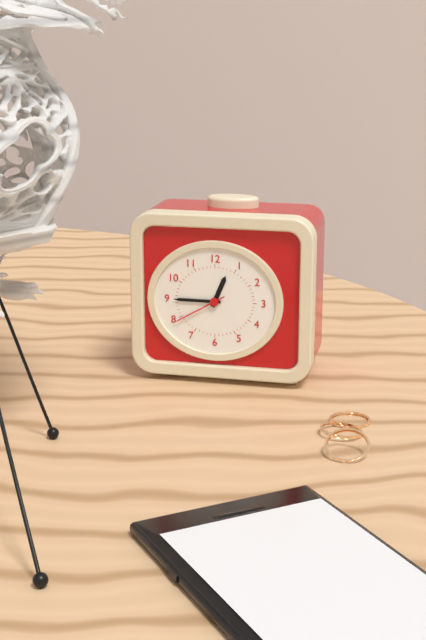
12:45:40
